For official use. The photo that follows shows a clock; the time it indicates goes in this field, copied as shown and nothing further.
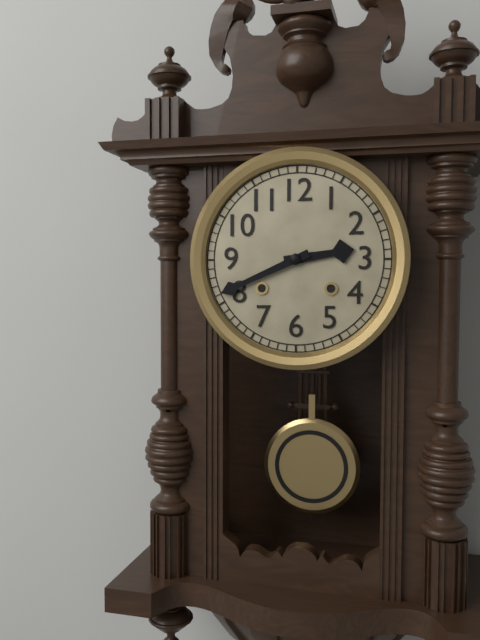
2:41
